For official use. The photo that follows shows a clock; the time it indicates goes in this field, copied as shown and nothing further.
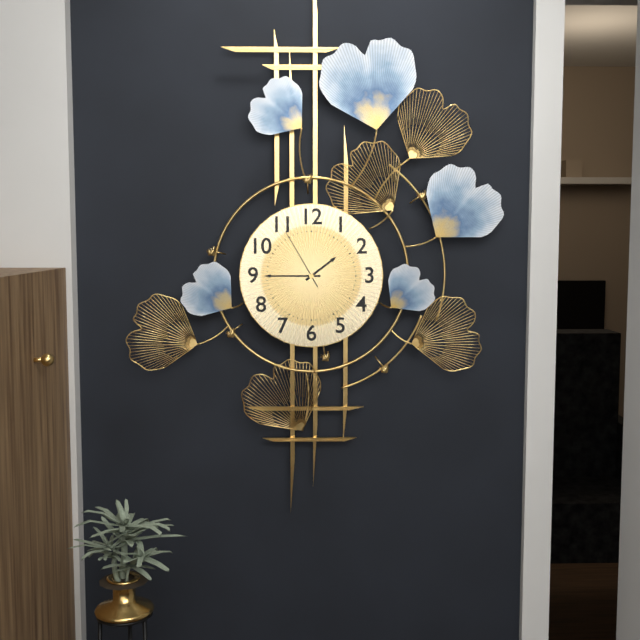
1:45:55
